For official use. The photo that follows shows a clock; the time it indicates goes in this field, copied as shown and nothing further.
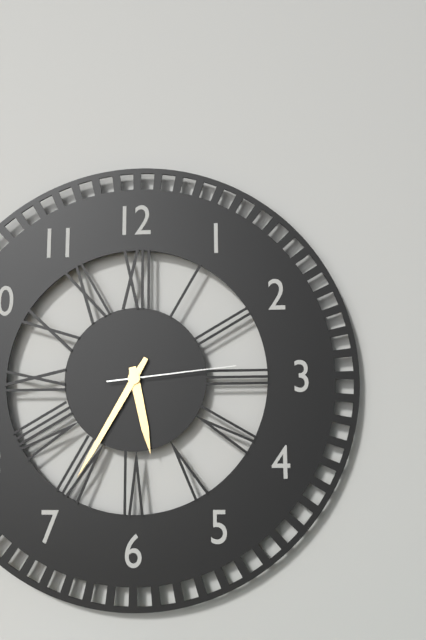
5:35:14
